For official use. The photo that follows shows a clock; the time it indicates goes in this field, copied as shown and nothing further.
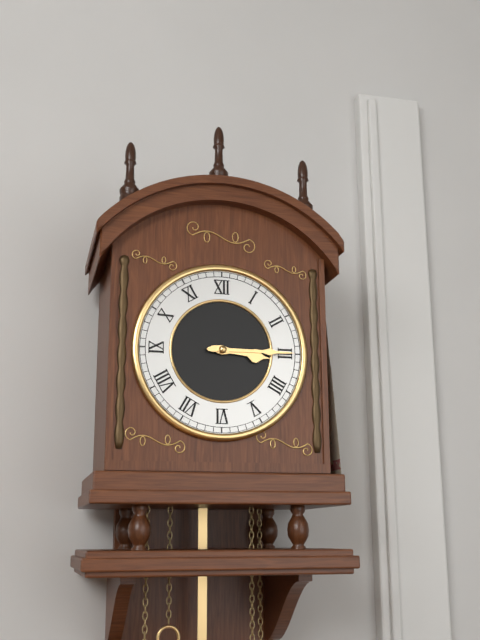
3:15
